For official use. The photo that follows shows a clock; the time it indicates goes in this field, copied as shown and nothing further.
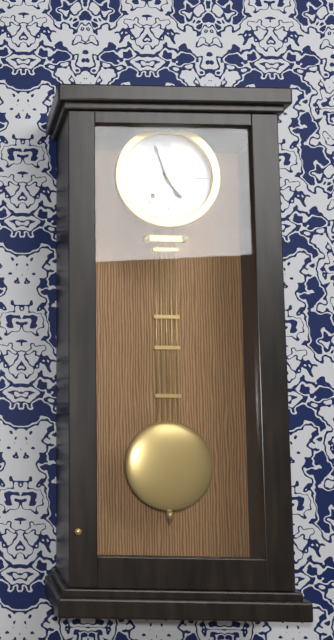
4:57
